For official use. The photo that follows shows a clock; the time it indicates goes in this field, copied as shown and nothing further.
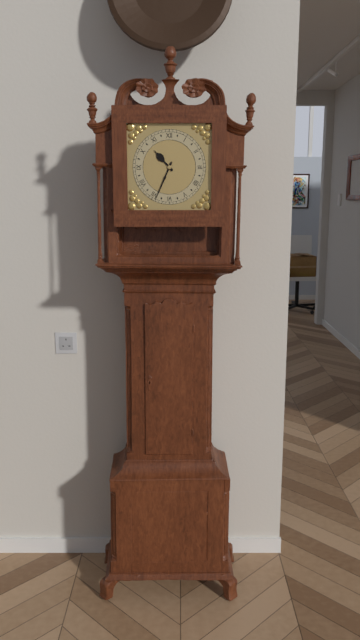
10:34
